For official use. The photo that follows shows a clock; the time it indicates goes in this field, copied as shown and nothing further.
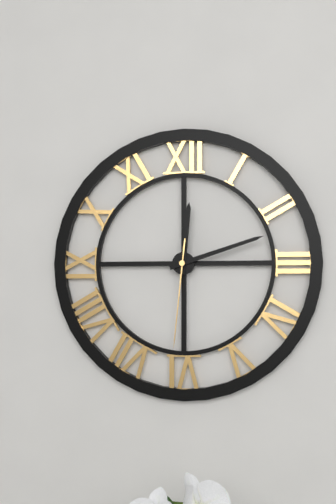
12:12:31
